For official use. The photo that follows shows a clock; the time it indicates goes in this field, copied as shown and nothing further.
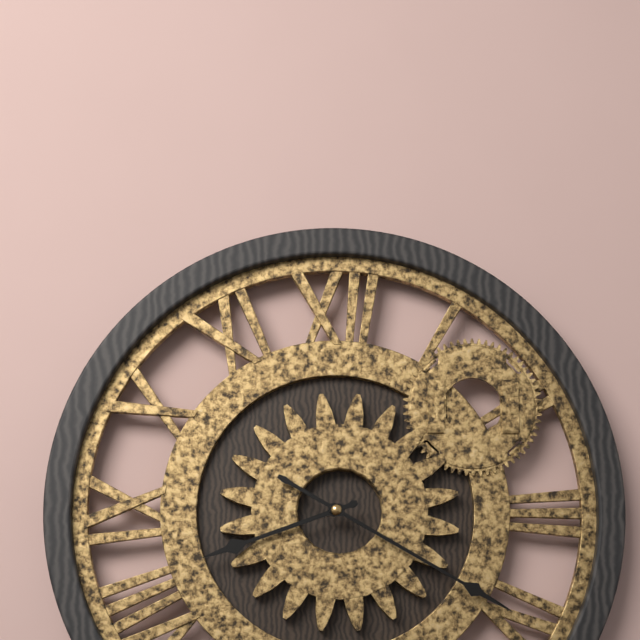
8:20
